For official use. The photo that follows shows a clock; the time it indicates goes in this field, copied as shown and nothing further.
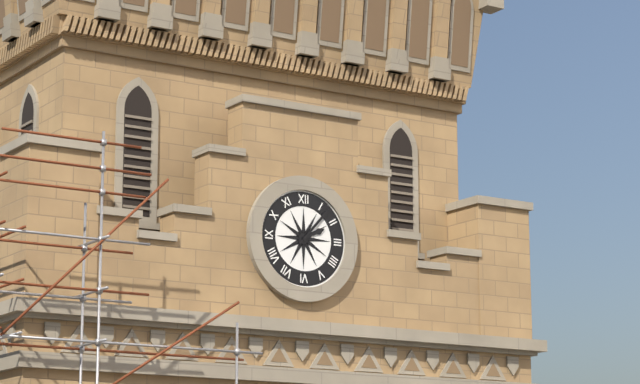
2:07
